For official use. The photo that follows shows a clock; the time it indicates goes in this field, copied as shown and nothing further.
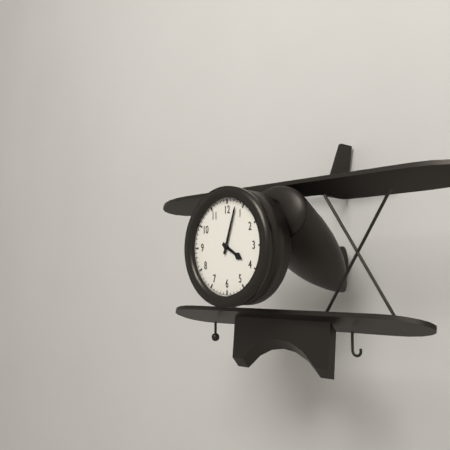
4:03
